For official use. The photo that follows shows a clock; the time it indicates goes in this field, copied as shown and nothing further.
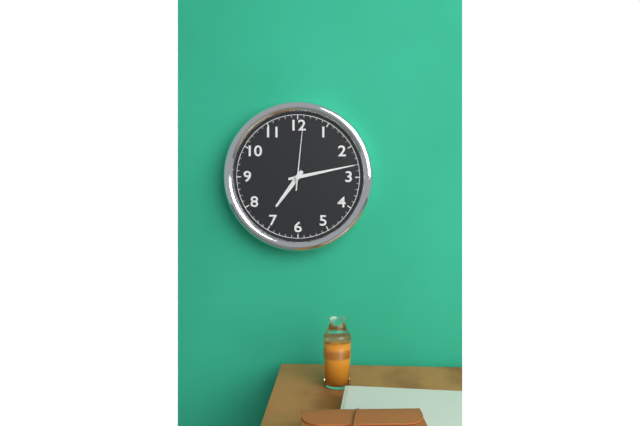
7:13:01
